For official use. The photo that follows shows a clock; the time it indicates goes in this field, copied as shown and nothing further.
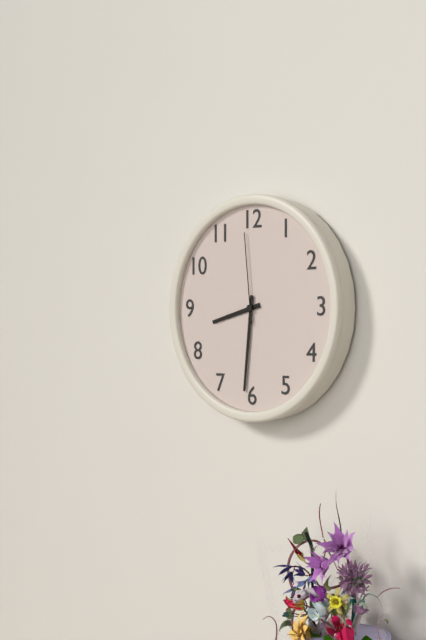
8:31:59
